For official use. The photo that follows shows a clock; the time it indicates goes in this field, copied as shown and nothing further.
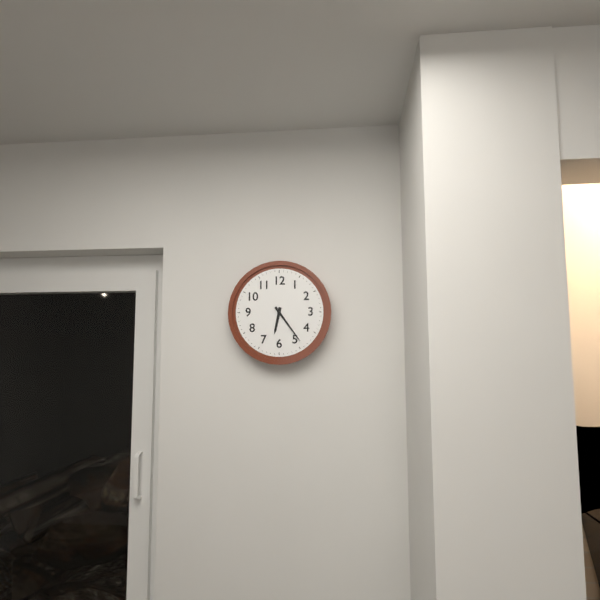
6:24
